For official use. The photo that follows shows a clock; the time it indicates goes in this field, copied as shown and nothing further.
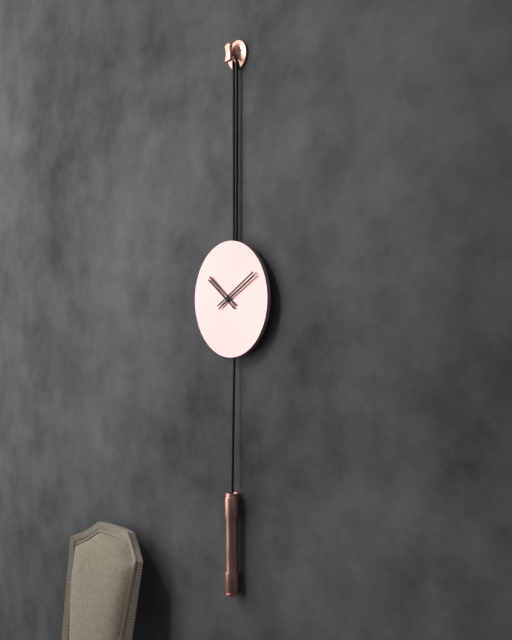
10:10
